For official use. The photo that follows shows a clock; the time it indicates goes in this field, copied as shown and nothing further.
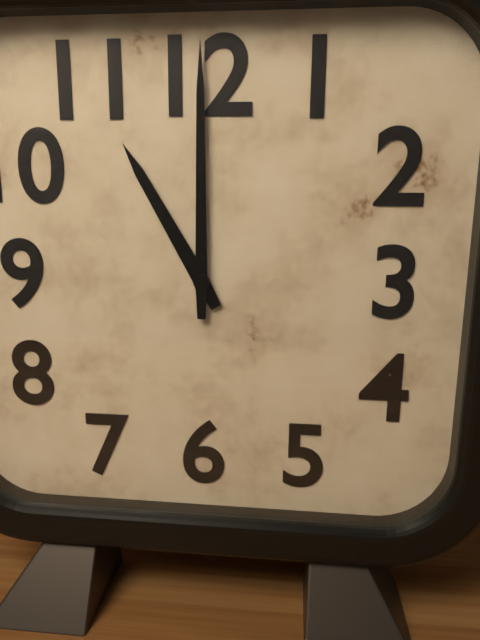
11:00
